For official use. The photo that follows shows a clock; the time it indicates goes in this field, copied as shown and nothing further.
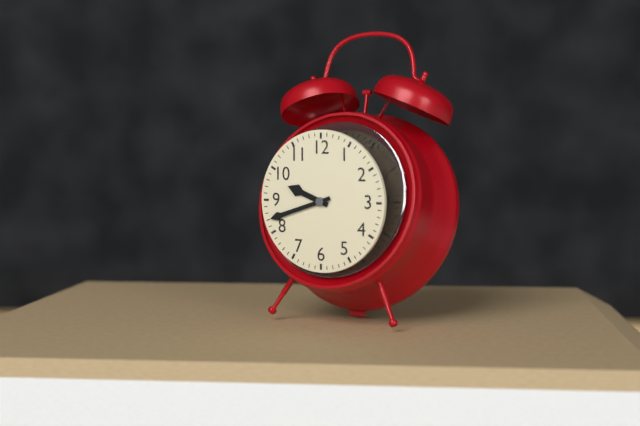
9:42
